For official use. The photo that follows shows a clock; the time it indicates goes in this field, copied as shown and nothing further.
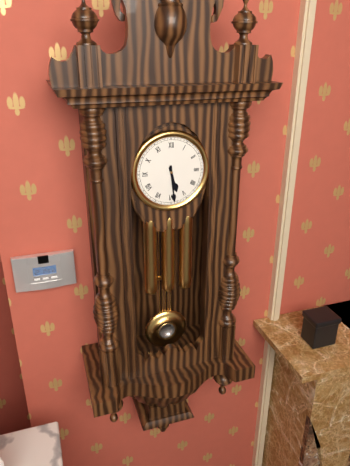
5:29
